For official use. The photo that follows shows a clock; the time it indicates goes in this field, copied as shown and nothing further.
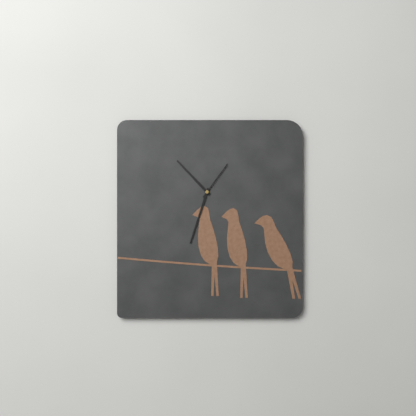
10:33
